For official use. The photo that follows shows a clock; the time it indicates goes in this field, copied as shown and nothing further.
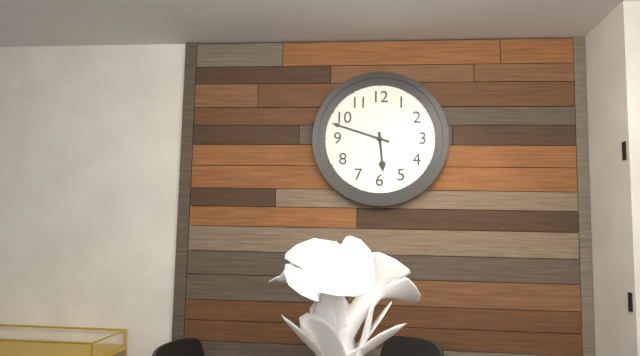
5:48
